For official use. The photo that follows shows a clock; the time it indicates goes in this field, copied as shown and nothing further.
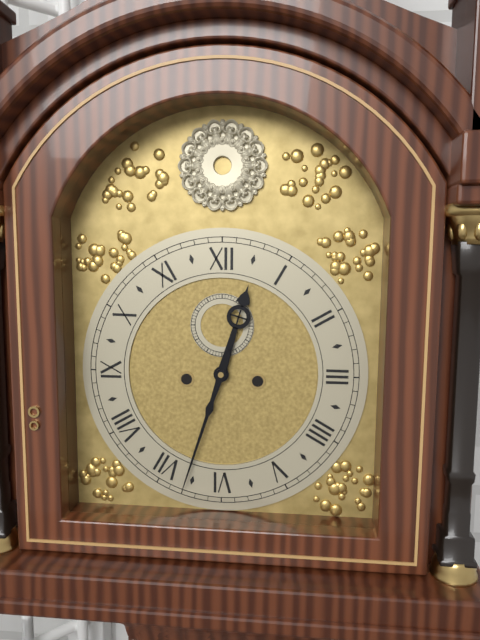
12:33
